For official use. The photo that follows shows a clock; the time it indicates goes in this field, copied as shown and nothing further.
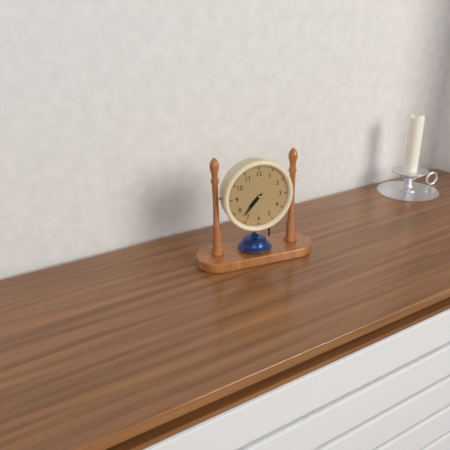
7:37
